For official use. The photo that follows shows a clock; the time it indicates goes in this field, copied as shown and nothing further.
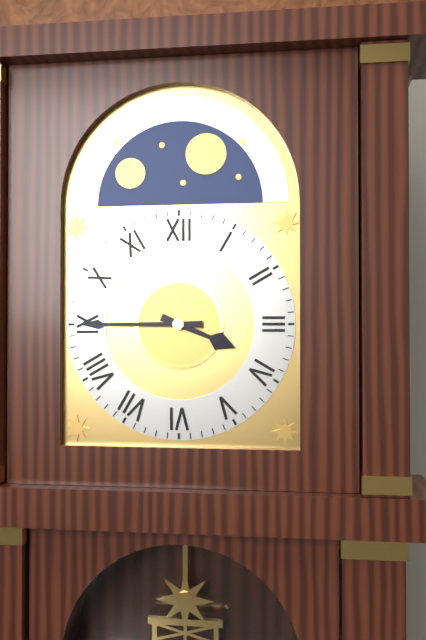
3:45
